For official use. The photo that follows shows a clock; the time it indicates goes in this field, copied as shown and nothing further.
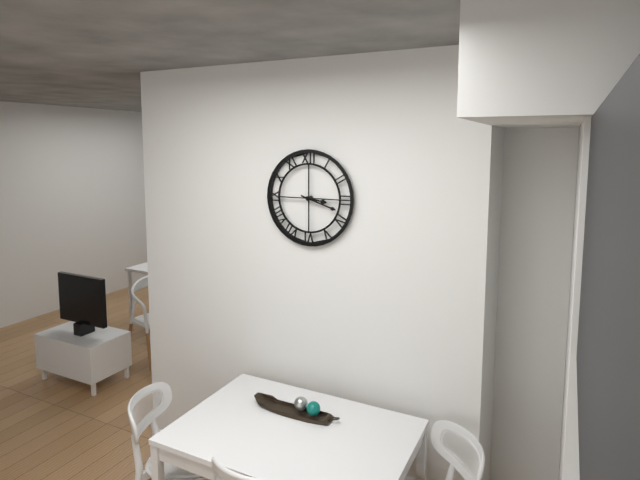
3:18
